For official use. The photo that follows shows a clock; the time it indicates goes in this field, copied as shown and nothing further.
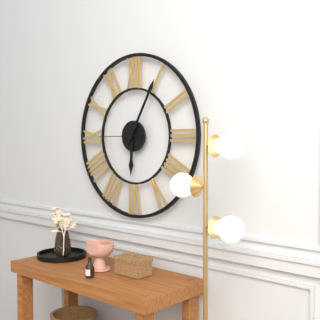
6:05
